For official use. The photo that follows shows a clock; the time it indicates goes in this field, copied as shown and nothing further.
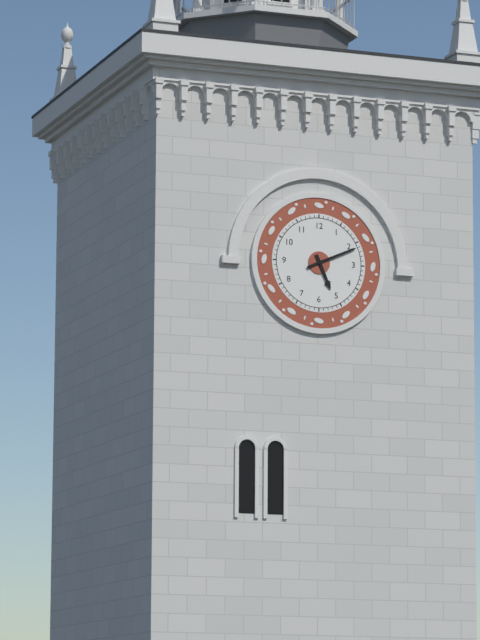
5:11
